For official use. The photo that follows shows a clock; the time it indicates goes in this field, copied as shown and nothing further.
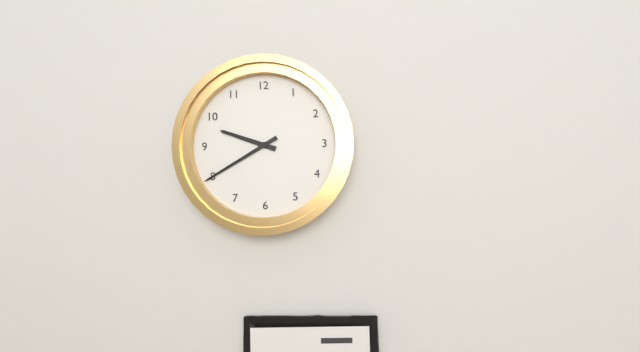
9:40
